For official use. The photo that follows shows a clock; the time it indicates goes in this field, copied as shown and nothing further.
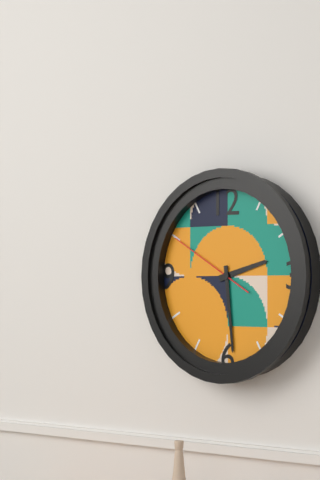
2:29:50
